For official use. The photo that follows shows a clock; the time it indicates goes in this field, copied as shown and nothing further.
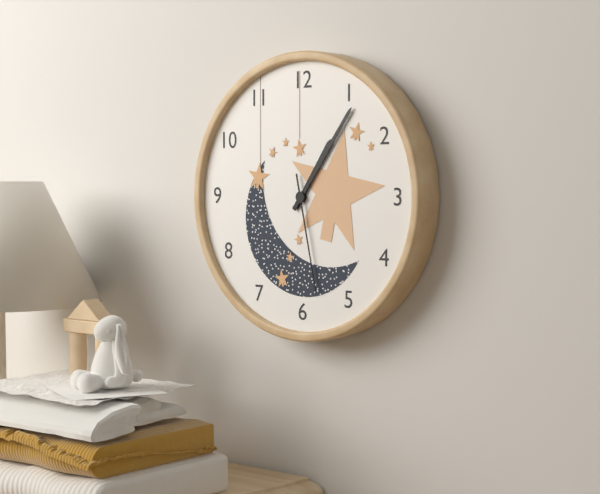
1:06:28
